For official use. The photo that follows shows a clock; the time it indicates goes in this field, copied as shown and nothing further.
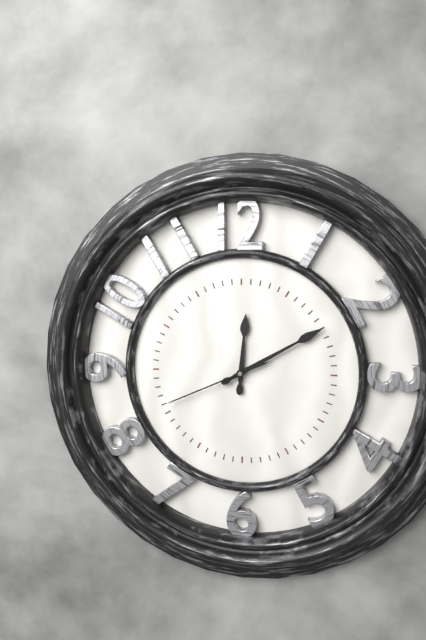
12:10:41
